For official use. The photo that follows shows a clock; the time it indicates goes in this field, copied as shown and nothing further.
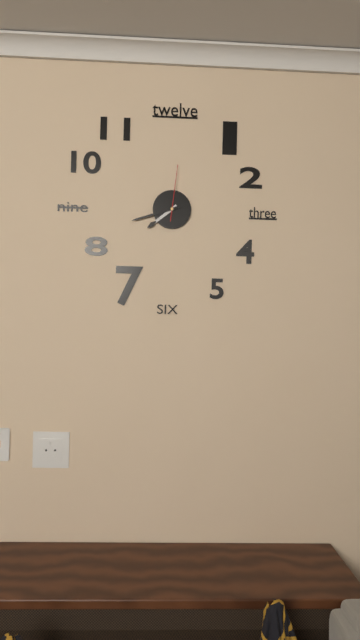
7:42:01
